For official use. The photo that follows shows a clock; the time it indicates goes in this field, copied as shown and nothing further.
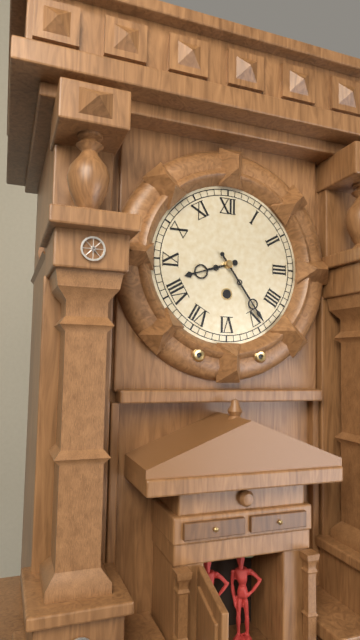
8:24
